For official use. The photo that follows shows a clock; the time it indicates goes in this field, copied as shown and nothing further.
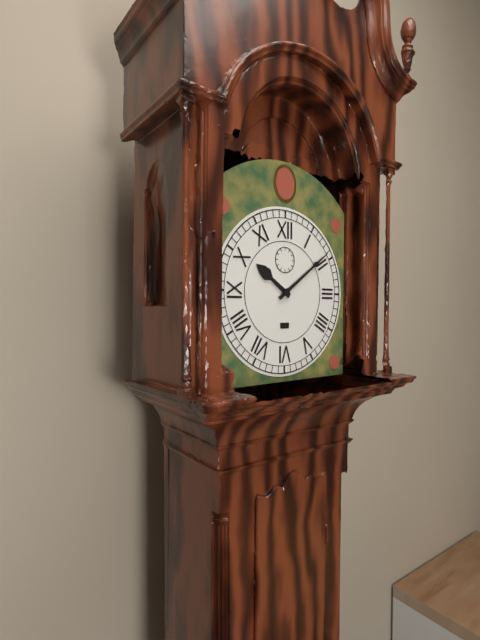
10:09
